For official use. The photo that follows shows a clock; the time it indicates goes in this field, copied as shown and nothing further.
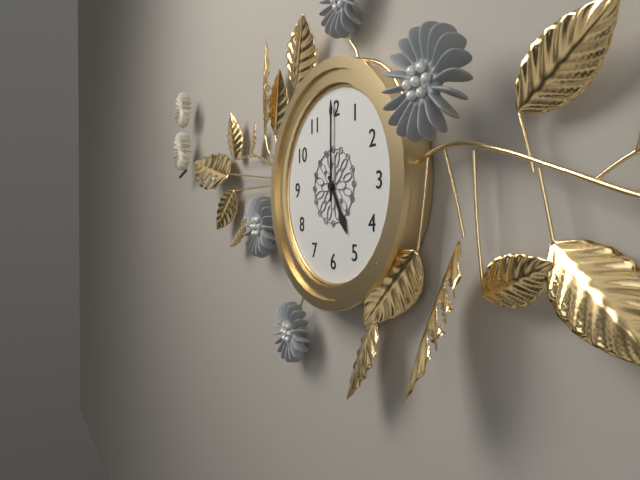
5:00
